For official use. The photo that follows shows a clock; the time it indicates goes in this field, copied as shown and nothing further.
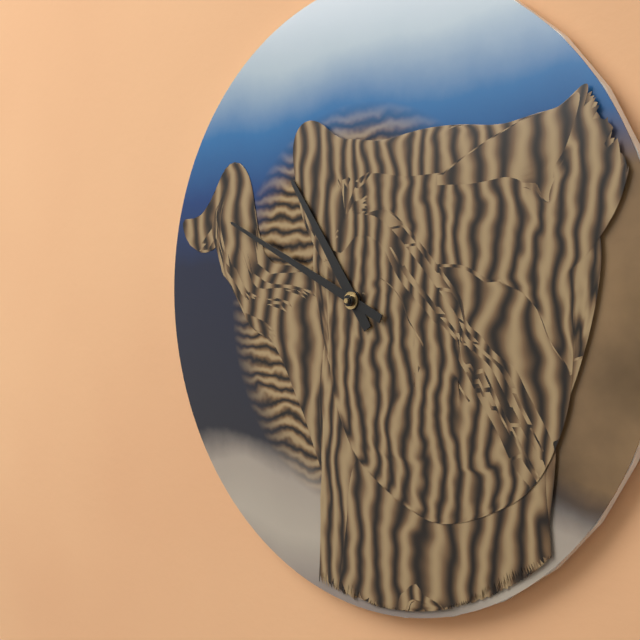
10:49
